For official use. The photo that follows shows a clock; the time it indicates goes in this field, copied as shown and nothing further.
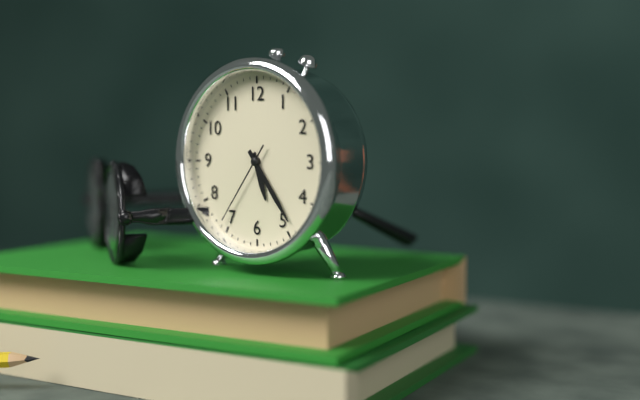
5:24:36
